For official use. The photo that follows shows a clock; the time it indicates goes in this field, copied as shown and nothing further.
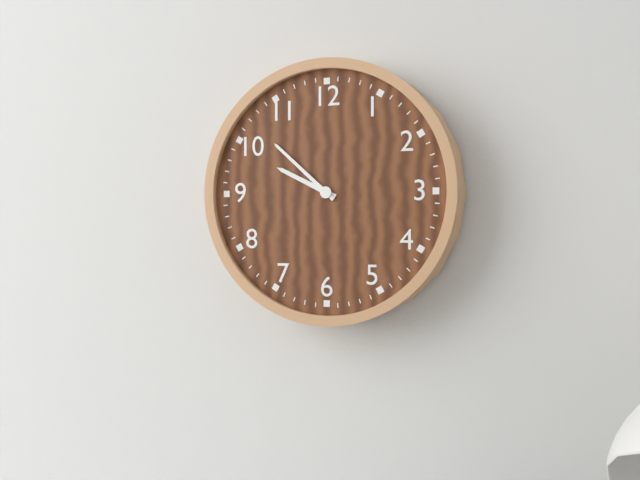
9:52
